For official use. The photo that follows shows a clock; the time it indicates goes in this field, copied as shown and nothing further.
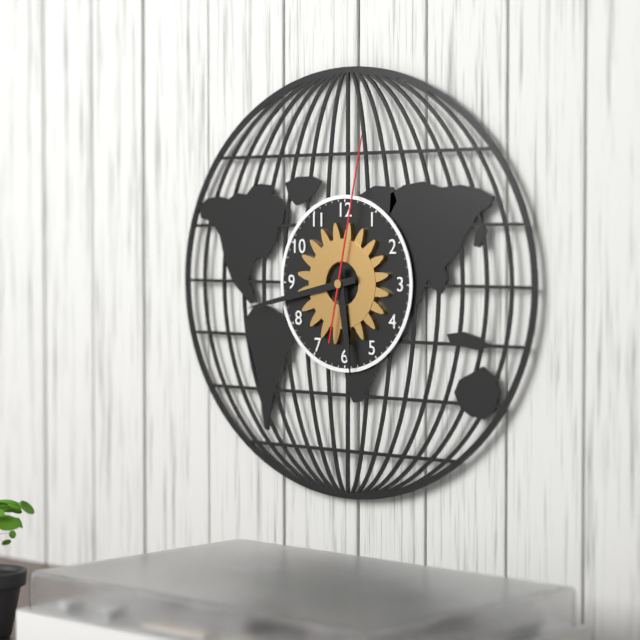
5:43:02
